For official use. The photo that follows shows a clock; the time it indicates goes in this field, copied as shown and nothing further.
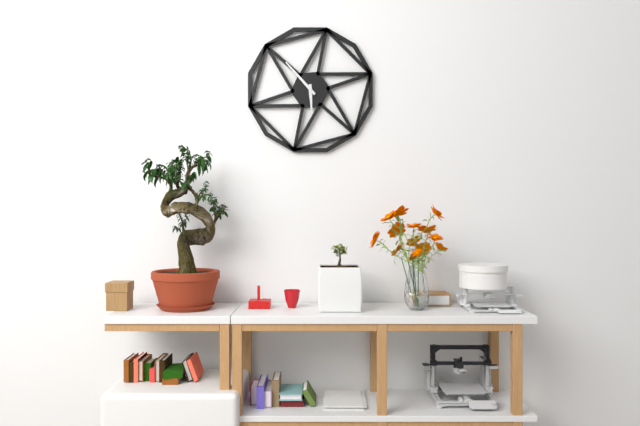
5:53
